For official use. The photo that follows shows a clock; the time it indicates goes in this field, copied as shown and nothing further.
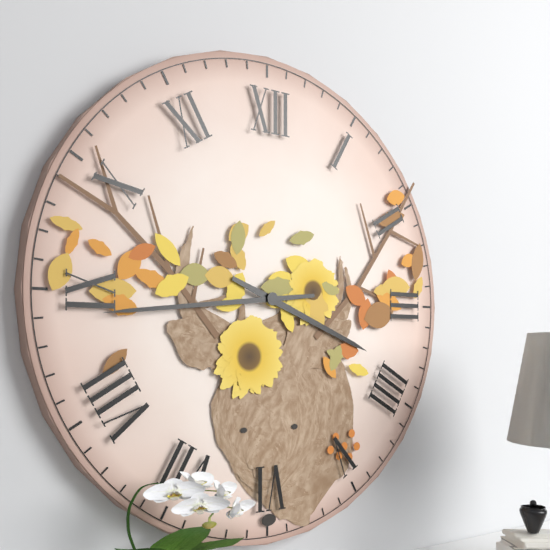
3:44
